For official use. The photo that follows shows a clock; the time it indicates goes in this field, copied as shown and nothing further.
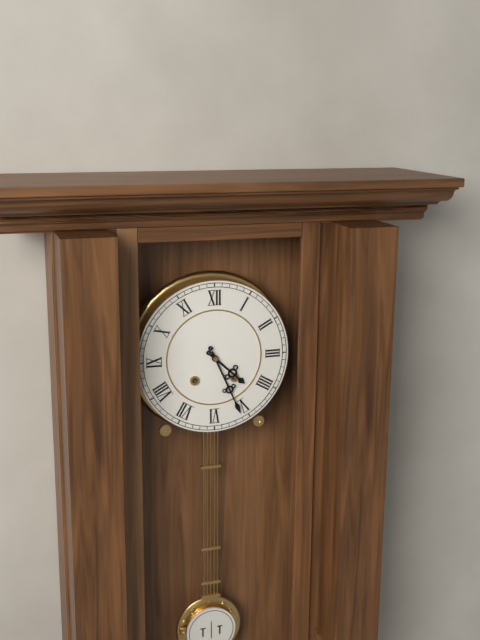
4:26
